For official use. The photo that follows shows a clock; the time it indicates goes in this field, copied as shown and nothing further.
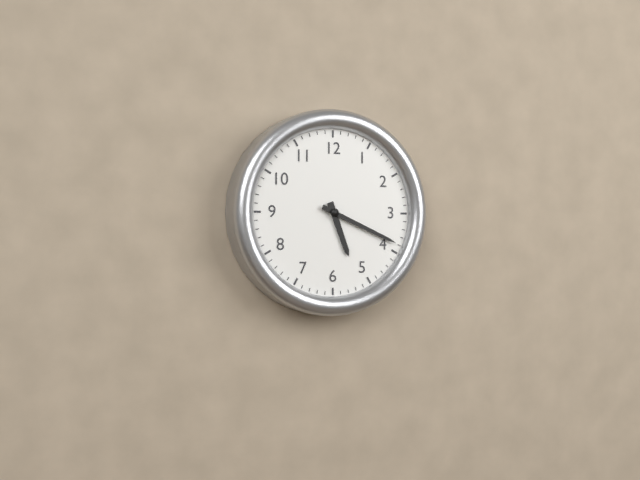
5:19
